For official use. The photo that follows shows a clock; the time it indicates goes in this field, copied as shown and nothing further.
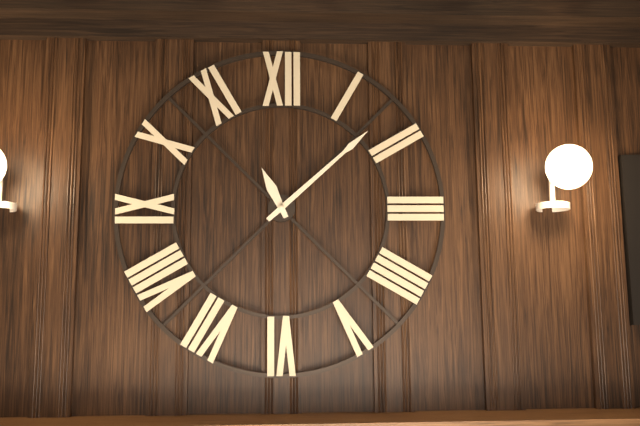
11:08
